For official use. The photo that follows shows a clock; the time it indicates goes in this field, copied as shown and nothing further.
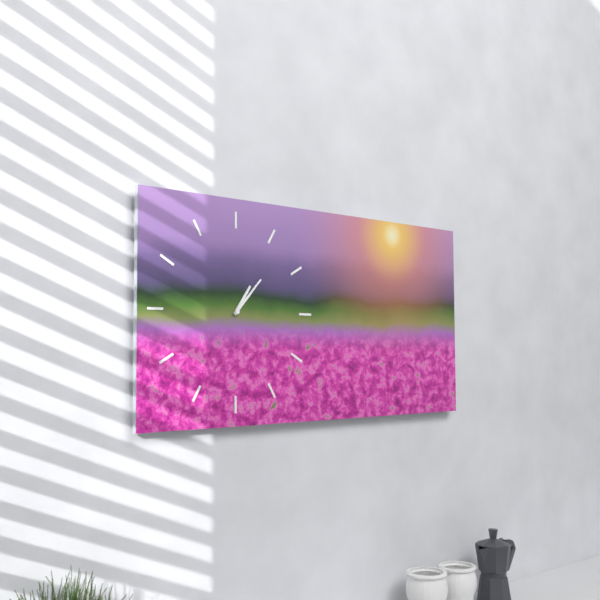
1:07
